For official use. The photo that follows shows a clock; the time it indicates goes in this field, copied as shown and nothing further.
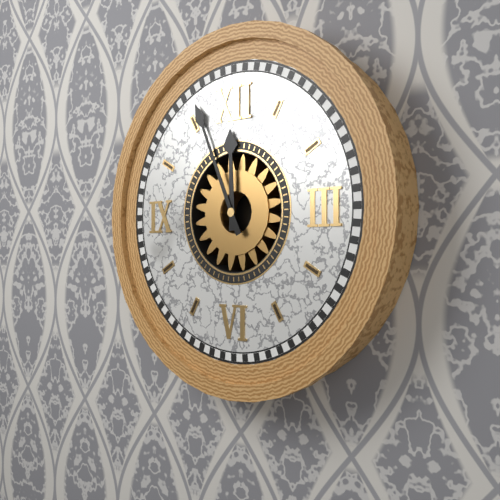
11:56
